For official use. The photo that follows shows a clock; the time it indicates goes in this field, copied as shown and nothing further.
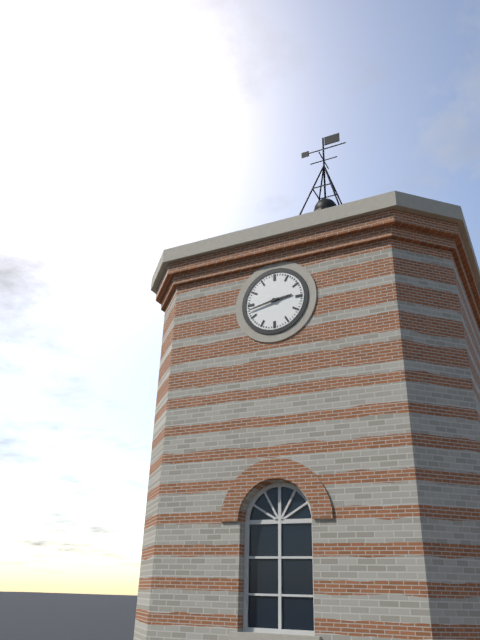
2:43
